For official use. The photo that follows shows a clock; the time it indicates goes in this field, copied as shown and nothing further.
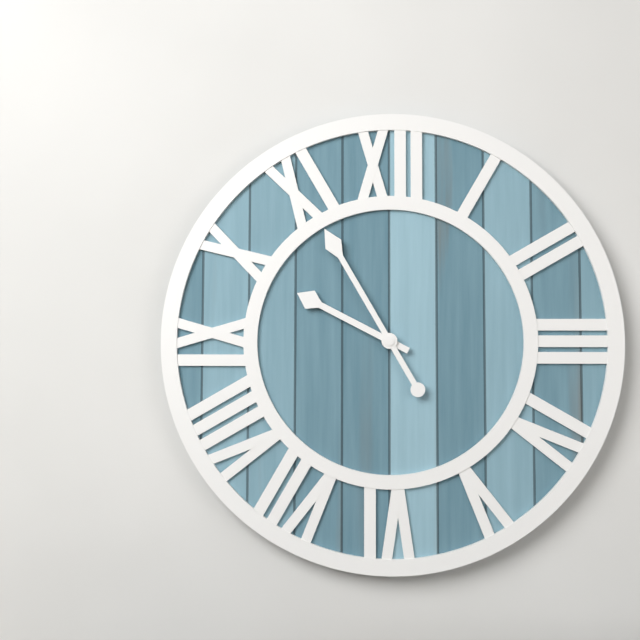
9:55
